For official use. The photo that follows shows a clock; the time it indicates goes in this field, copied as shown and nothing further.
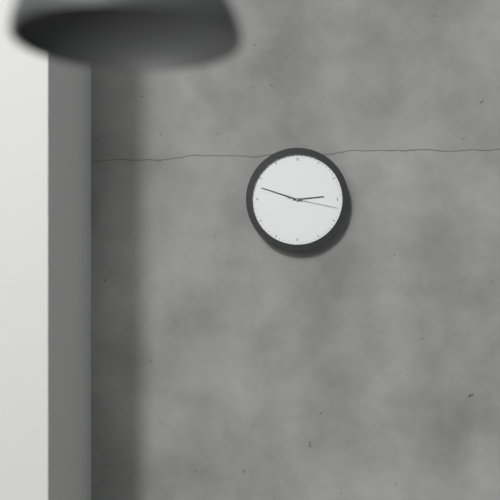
2:48:17
